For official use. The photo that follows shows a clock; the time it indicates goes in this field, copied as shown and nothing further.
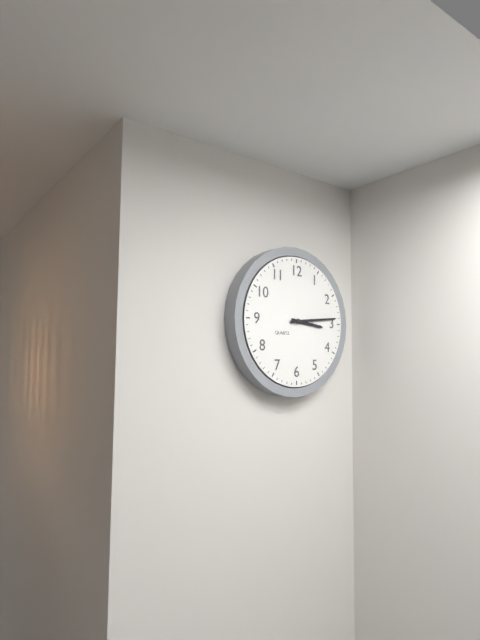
3:14
